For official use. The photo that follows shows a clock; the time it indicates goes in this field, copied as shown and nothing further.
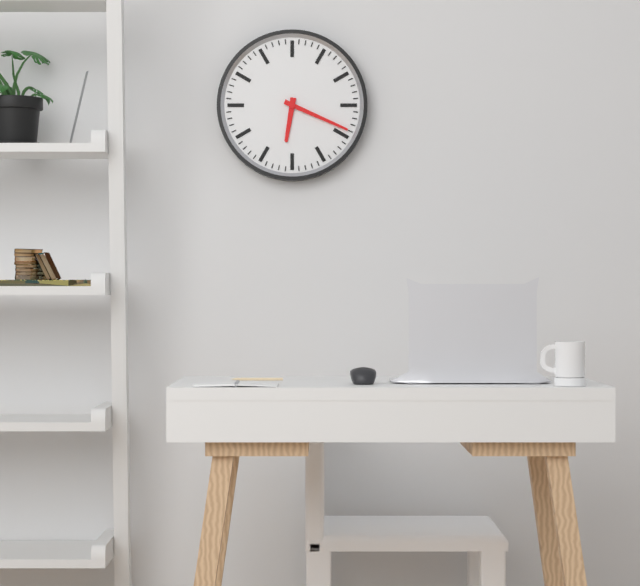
6:19
